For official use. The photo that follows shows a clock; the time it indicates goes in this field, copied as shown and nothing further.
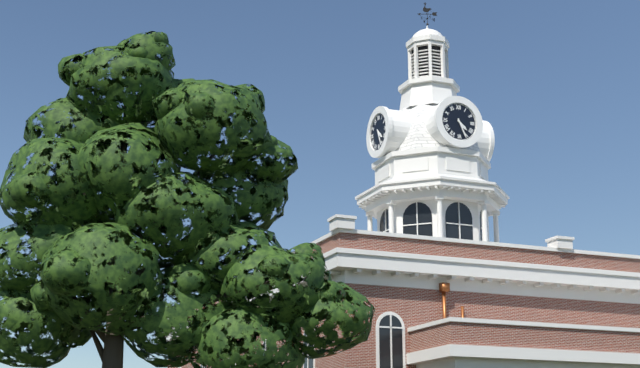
4:26
